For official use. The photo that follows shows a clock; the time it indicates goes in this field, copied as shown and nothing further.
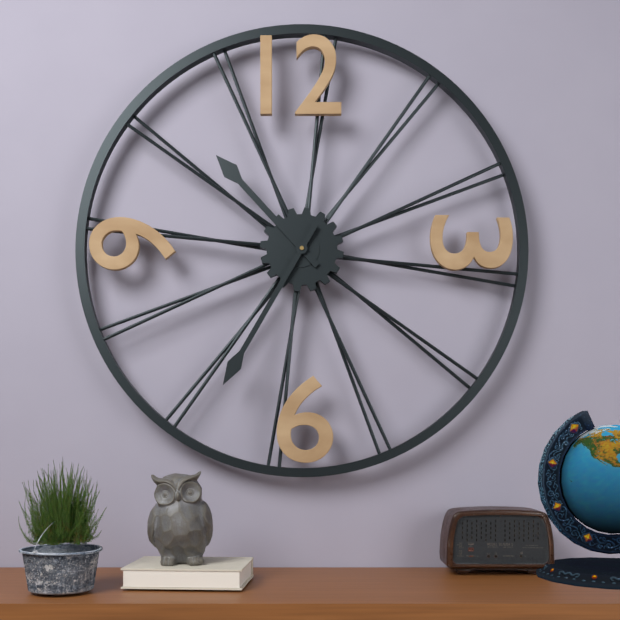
10:35
